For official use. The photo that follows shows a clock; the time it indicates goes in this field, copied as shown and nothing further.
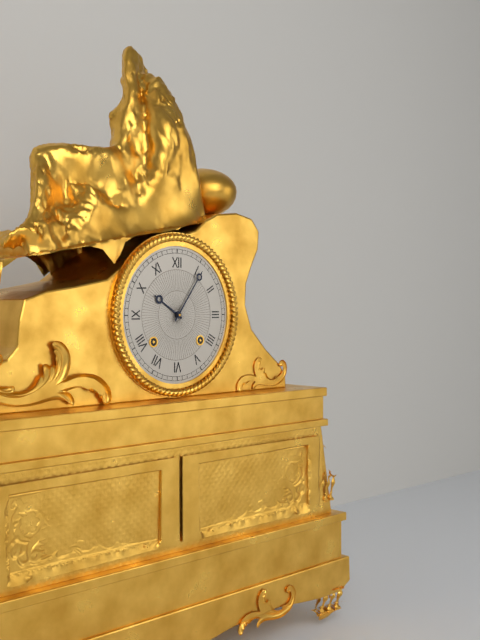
10:06
